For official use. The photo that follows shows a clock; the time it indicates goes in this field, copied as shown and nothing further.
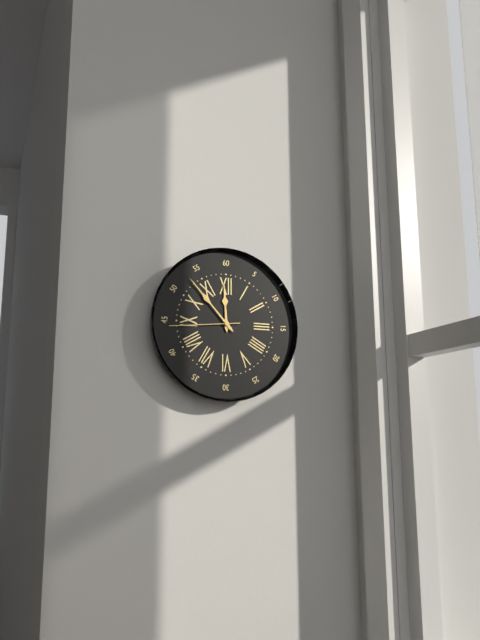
11:53:44
